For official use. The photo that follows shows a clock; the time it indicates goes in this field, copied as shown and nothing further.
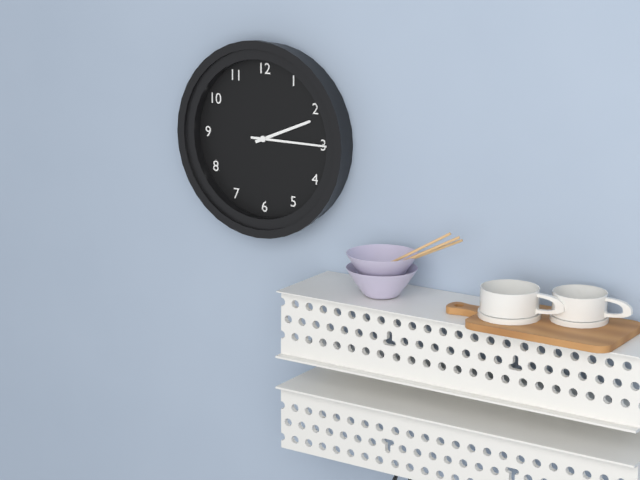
2:15
